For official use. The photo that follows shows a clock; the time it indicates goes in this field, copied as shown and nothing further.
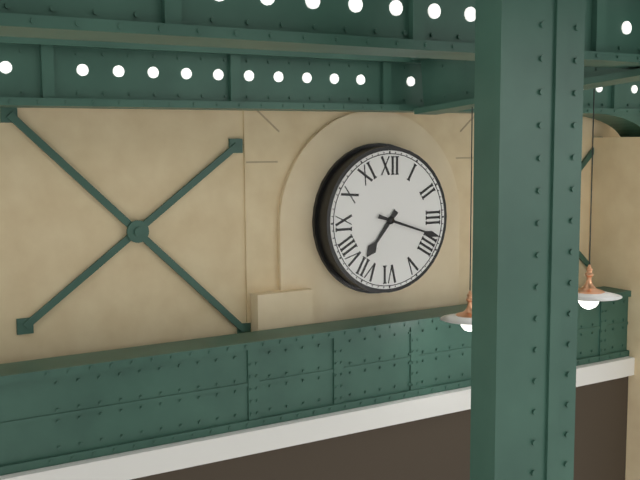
7:18
